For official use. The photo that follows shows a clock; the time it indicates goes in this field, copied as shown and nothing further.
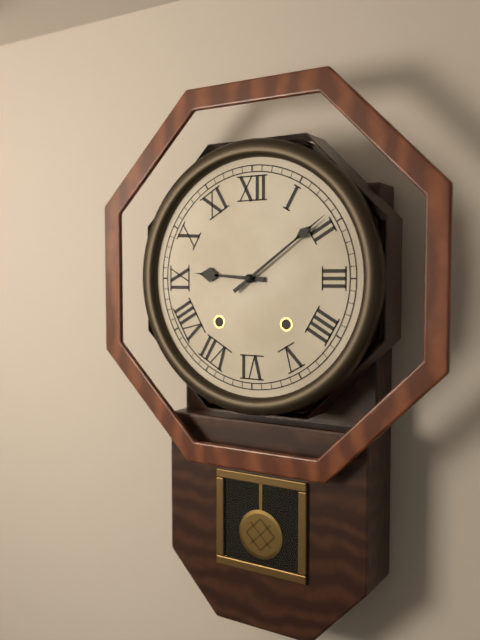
9:09
